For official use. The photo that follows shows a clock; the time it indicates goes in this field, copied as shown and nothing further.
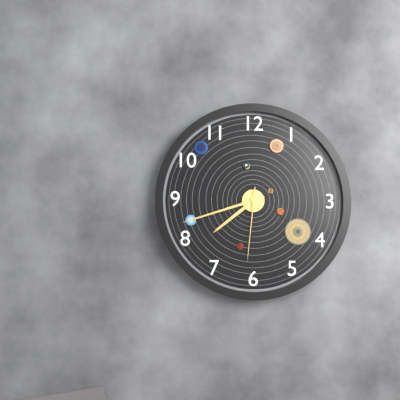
7:42:31
